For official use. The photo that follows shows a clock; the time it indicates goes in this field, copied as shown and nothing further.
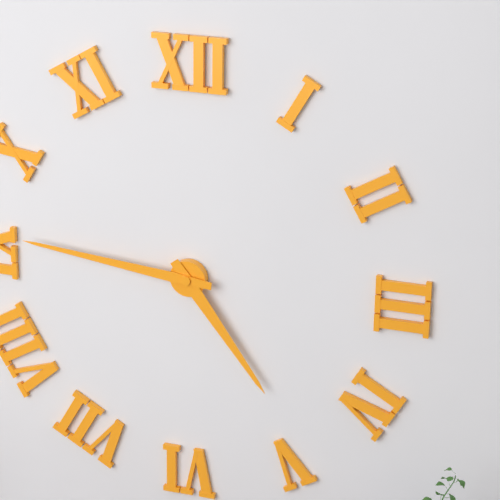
4:46
